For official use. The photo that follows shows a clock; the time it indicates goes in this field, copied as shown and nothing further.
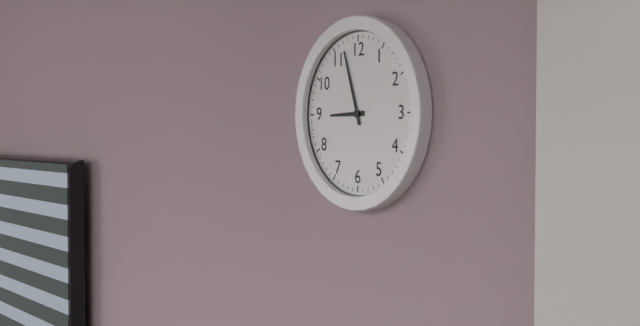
8:57
